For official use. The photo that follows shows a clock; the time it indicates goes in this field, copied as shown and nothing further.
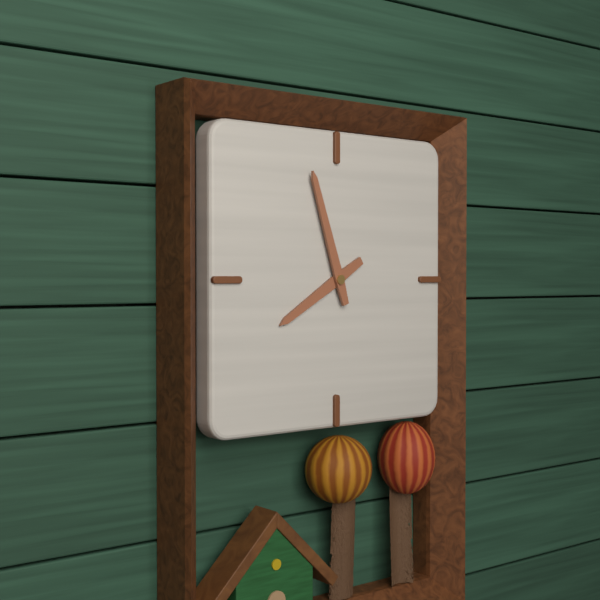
7:57
